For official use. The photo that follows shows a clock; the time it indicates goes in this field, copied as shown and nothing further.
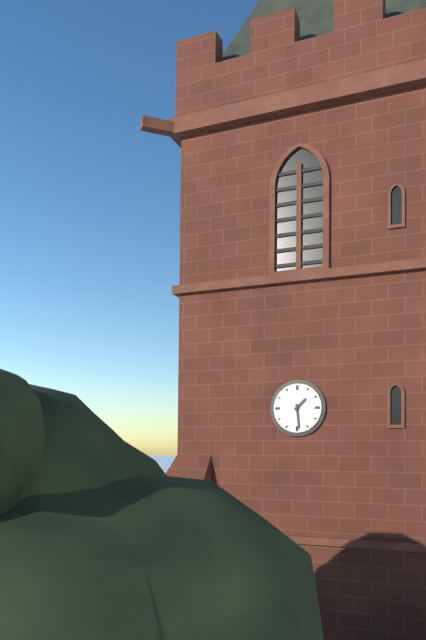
1:29
